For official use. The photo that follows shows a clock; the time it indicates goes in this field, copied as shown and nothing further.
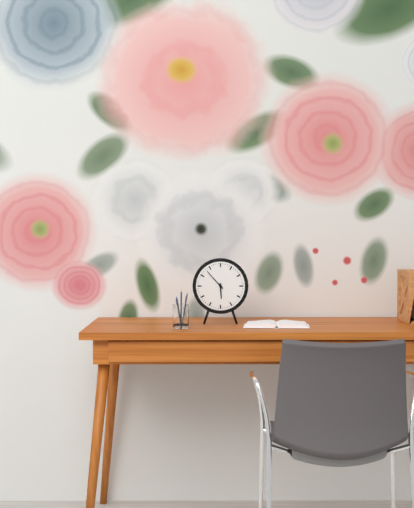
5:53
